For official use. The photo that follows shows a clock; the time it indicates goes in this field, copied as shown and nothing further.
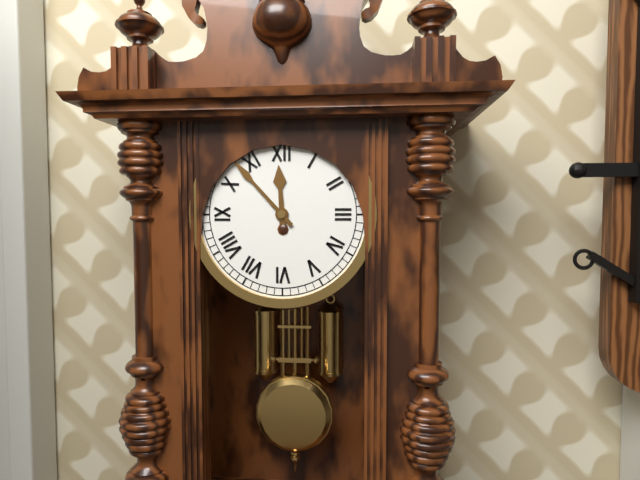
11:53
